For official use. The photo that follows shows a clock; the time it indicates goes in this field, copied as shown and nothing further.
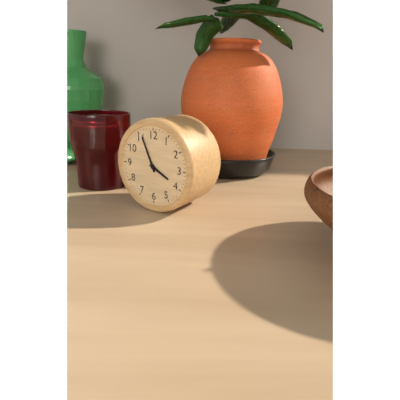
3:56
